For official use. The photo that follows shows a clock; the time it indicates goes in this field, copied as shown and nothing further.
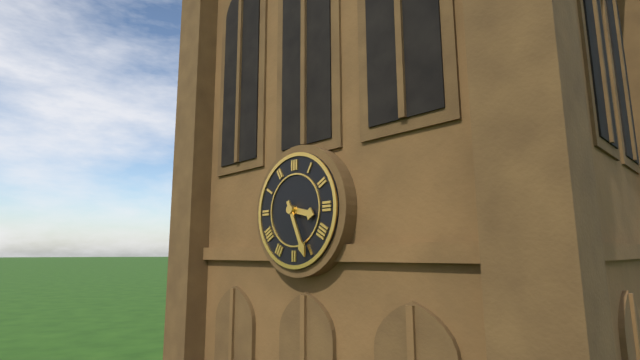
3:26
